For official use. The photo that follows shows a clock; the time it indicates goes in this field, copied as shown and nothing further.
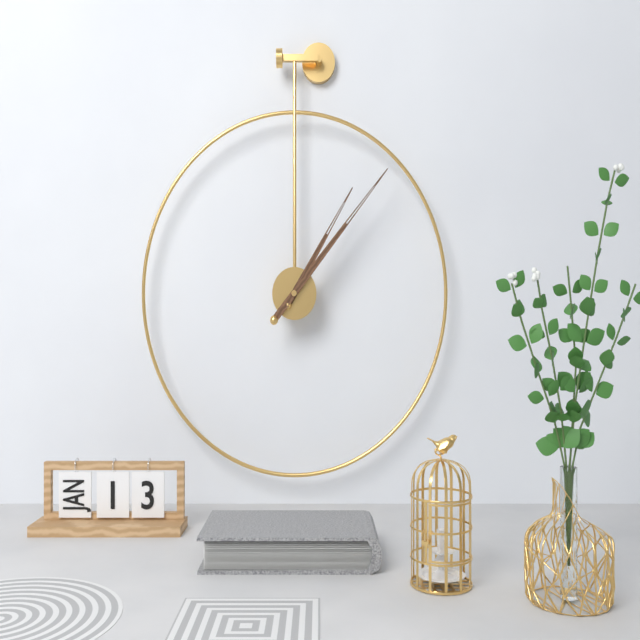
1:07
